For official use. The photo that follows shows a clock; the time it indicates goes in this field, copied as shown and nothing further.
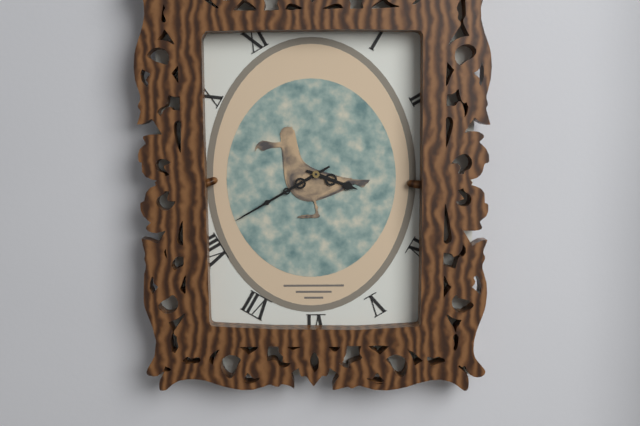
3:40
